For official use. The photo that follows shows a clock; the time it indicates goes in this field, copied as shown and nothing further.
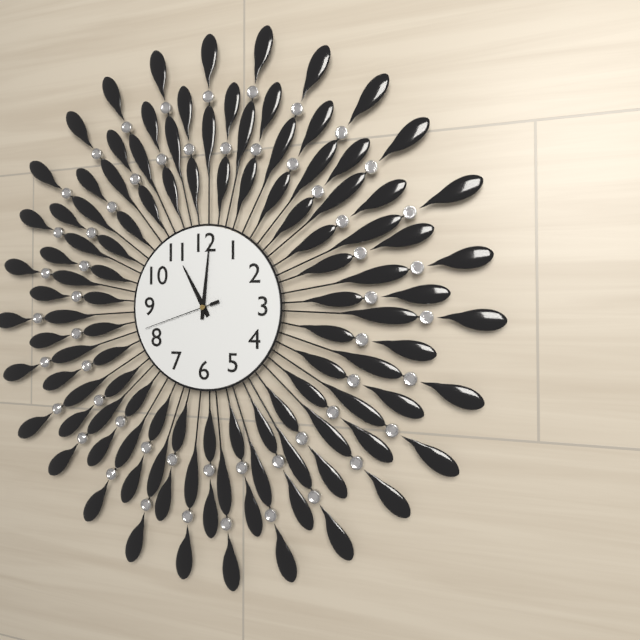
11:01:42
